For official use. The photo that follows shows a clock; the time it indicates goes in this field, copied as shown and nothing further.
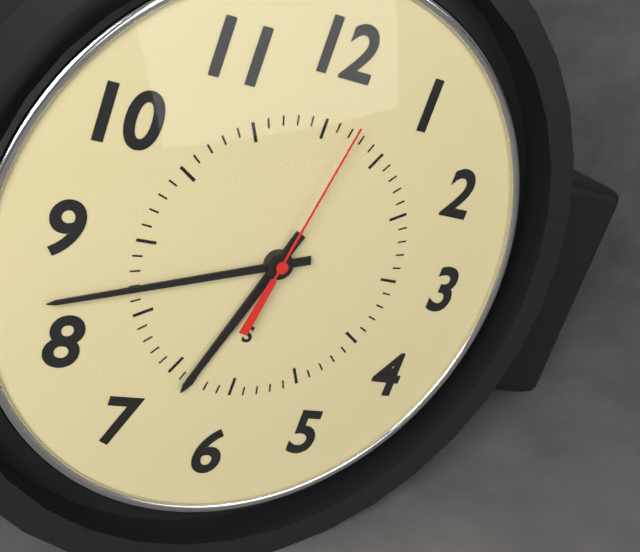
6:42:02
